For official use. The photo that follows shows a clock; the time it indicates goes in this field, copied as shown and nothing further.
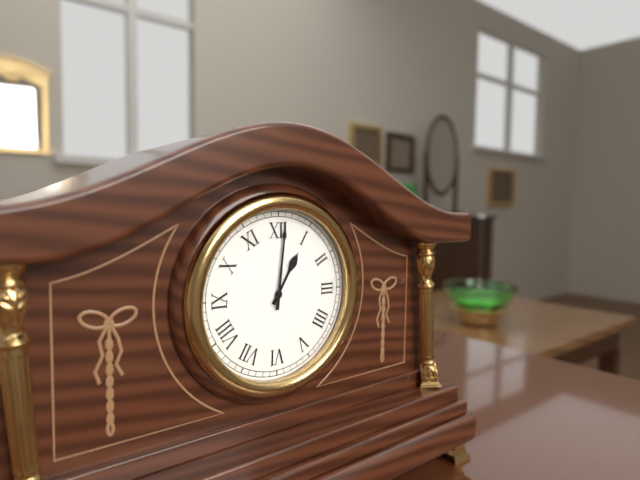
1:01
